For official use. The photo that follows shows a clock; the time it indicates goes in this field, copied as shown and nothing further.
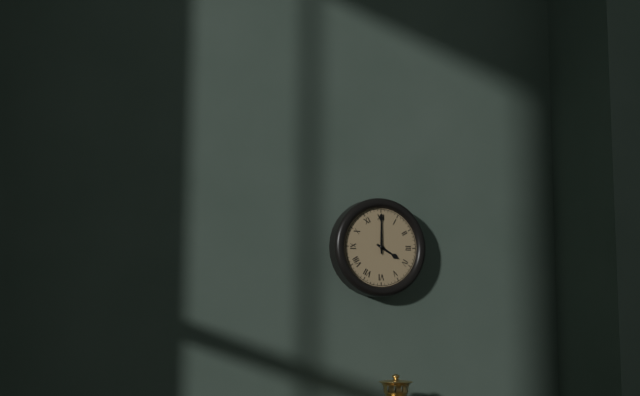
4:00
